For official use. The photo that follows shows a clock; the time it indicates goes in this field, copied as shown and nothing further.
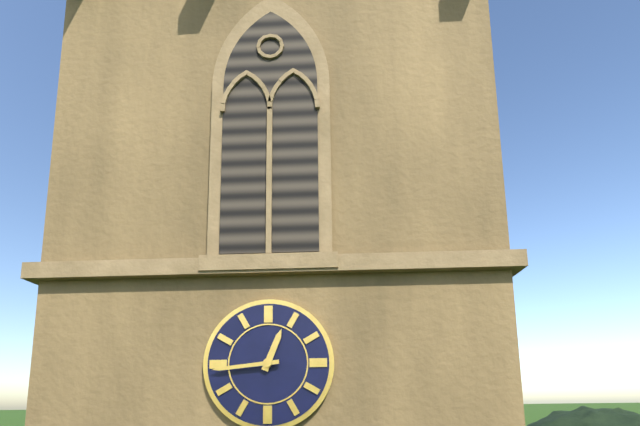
12:44
